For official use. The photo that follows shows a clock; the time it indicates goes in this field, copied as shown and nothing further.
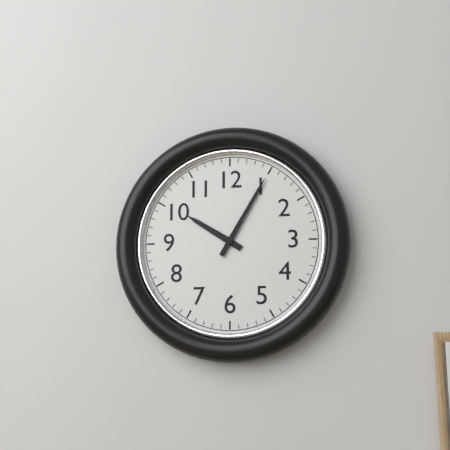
10:05
